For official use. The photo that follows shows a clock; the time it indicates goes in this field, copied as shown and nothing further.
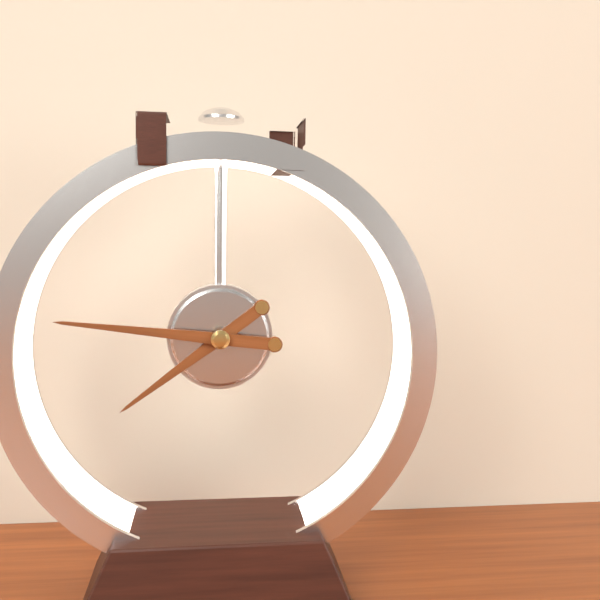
7:46
